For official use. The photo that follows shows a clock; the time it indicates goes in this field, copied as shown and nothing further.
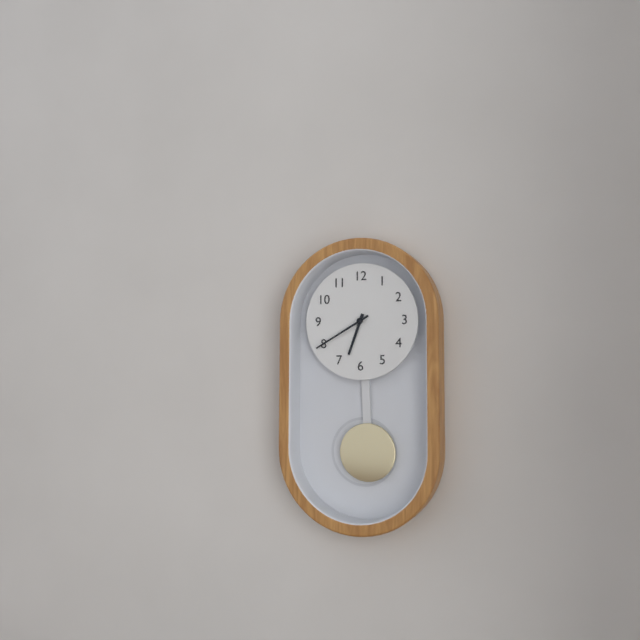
6:40
